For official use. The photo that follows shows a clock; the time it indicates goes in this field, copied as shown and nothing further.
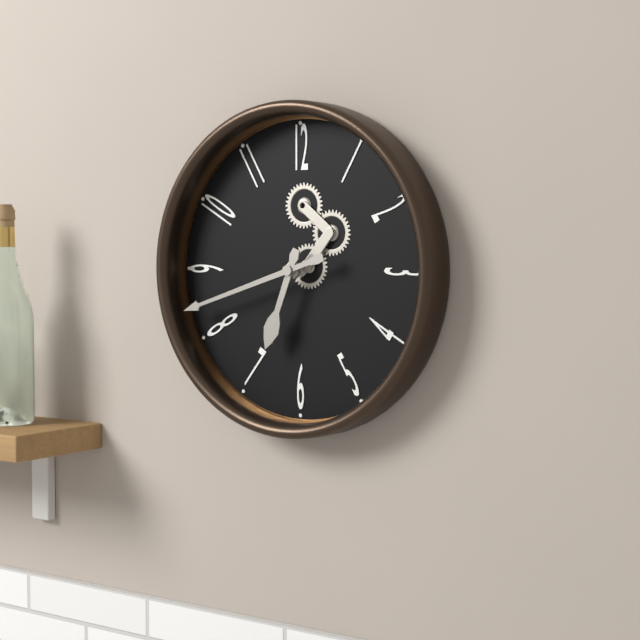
6:42
